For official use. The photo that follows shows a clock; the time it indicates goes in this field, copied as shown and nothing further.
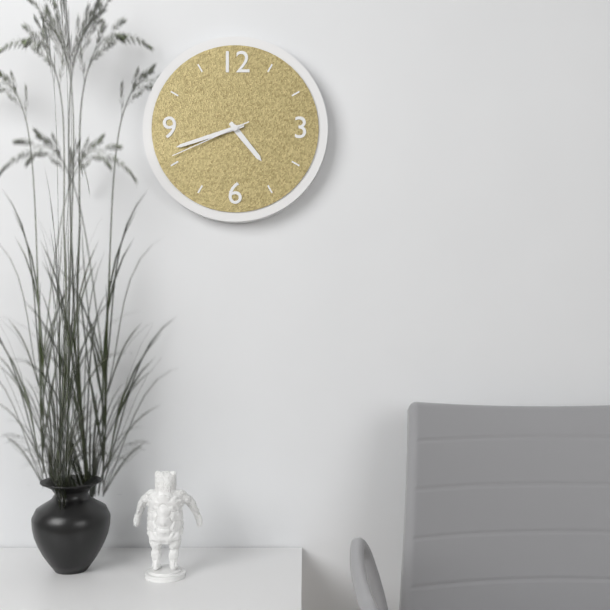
4:42:41
